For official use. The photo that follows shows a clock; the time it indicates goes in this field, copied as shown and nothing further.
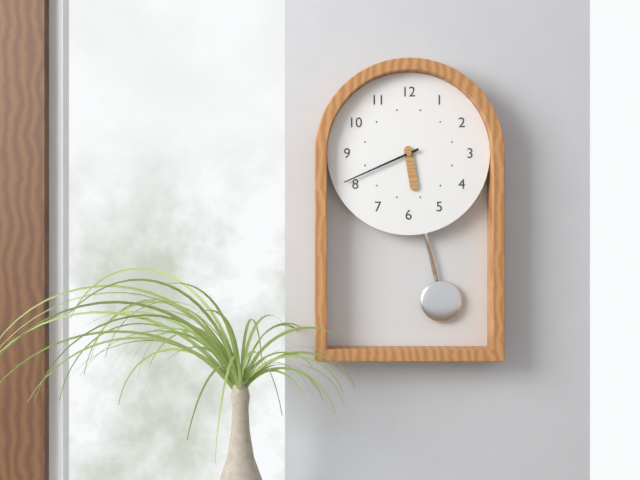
5:41
